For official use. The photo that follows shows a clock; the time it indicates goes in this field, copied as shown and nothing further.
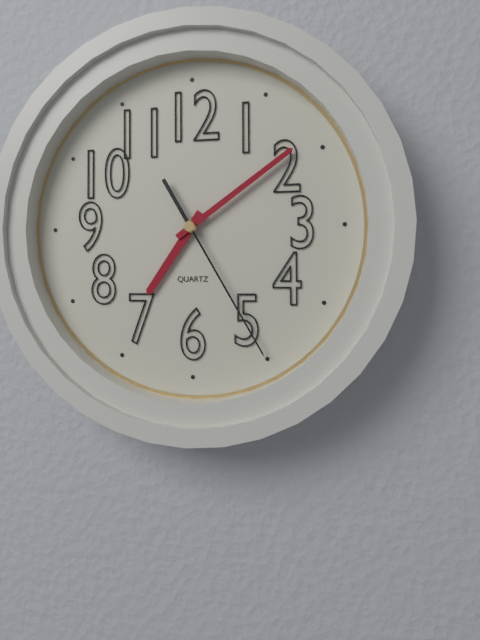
7:09:25
